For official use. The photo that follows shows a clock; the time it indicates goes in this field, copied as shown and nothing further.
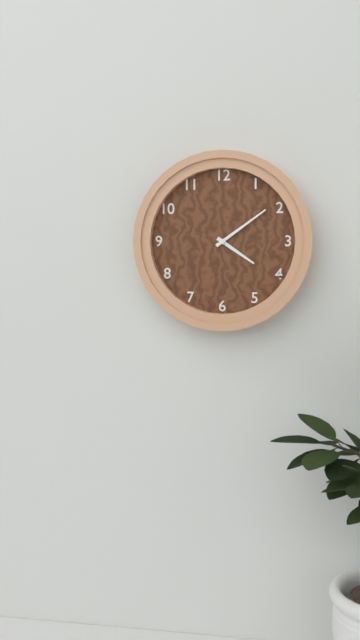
4:09
